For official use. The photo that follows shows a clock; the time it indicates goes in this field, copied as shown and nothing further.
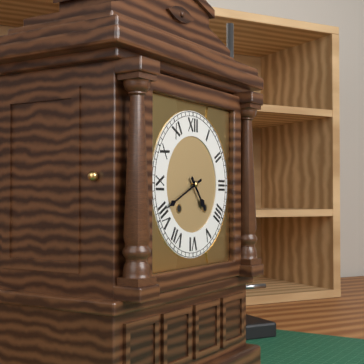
4:41
